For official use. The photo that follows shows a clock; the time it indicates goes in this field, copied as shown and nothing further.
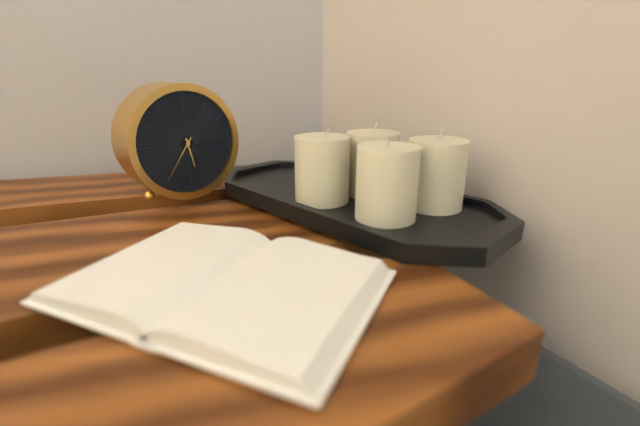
5:36
